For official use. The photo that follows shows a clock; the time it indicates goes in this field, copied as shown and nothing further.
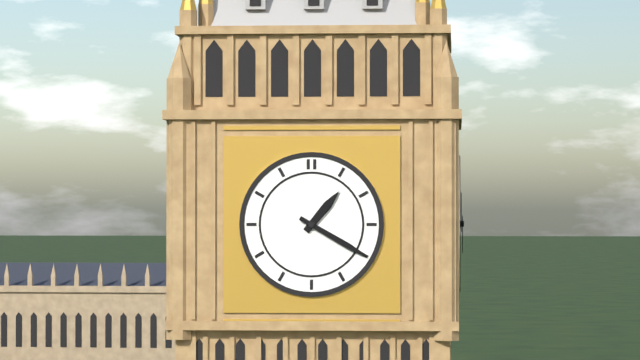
1:20
